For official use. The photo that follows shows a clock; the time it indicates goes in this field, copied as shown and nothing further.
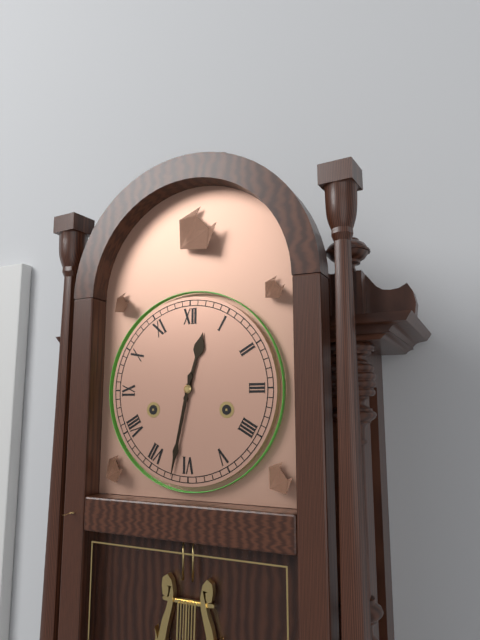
12:32
